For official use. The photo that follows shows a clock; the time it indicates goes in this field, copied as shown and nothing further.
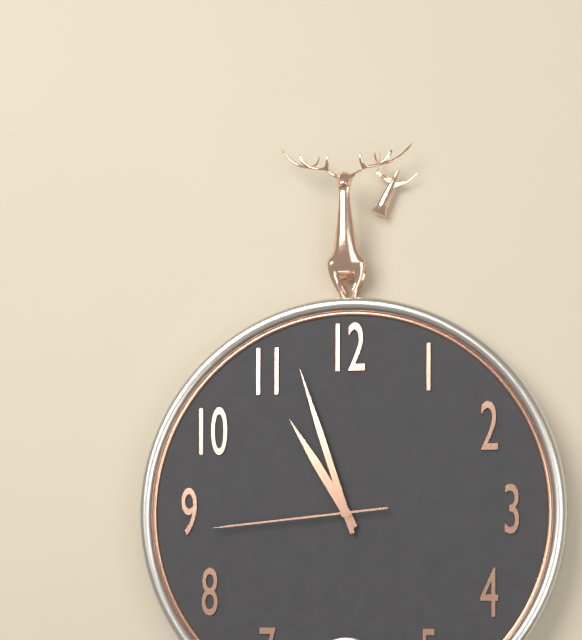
10:57:44
